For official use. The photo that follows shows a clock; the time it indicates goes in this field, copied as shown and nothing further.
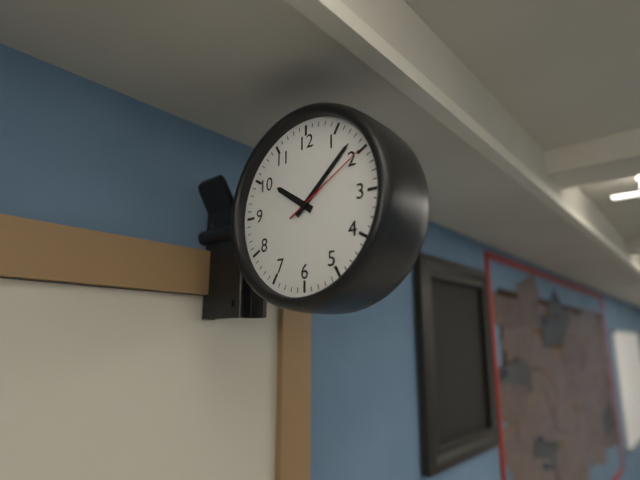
10:08:10
